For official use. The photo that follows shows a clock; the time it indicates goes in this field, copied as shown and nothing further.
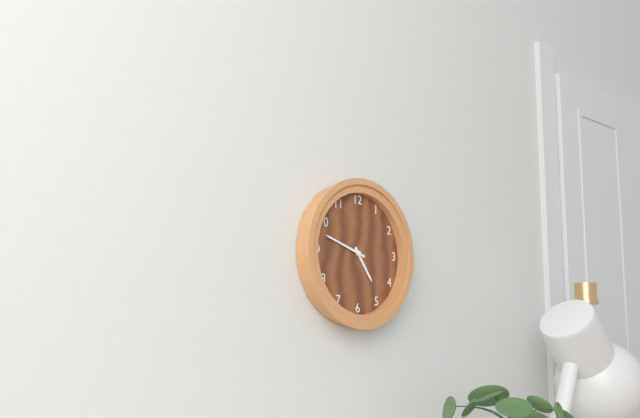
4:48
